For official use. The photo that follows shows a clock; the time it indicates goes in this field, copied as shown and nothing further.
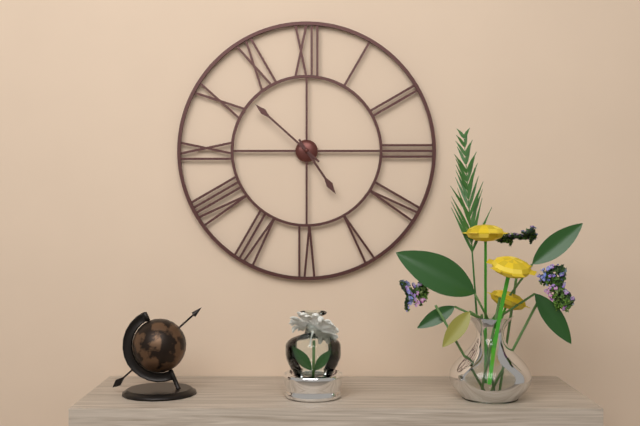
4:52
